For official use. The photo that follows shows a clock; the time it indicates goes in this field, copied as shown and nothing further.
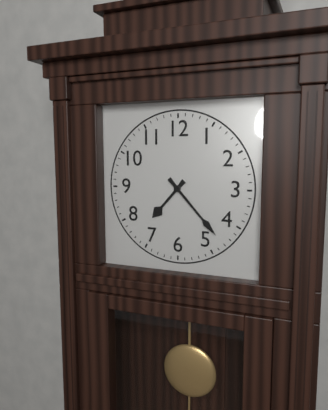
7:23
